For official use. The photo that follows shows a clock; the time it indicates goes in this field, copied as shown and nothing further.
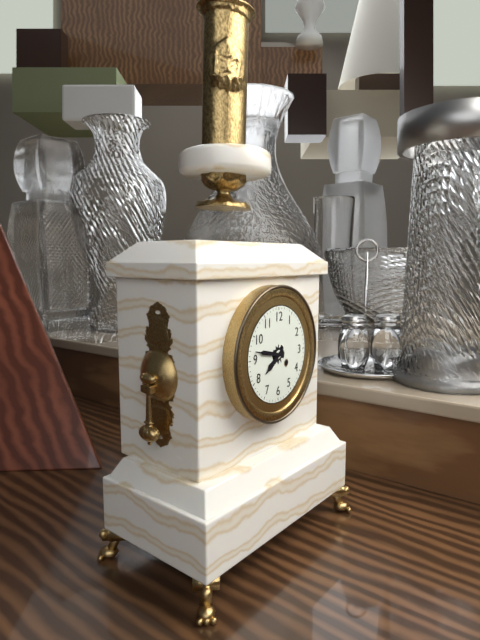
7:47
